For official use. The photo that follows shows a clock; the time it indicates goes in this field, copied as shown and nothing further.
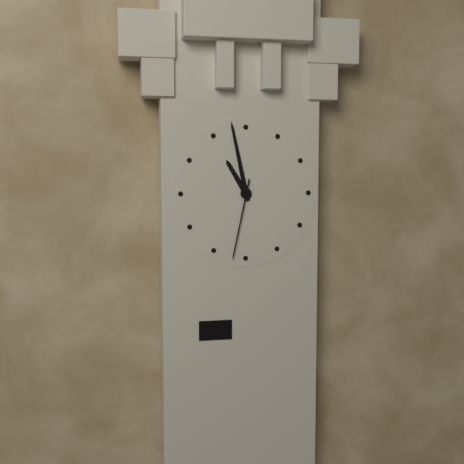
10:58:32
